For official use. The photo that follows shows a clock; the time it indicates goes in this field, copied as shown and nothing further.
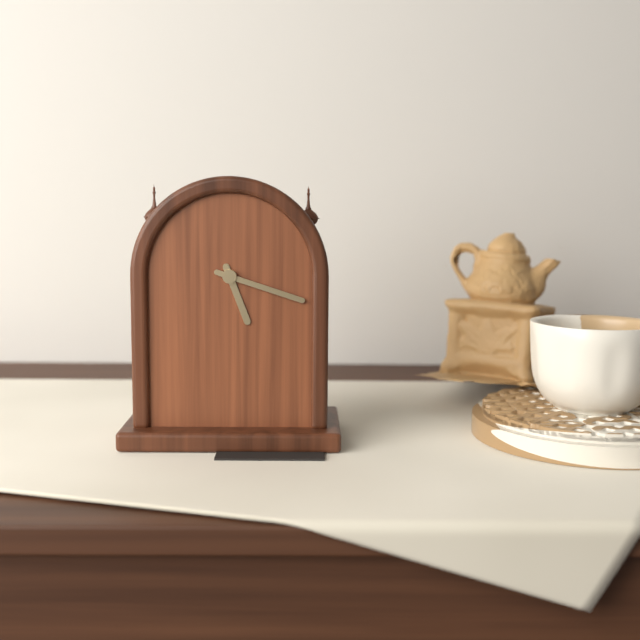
5:18
